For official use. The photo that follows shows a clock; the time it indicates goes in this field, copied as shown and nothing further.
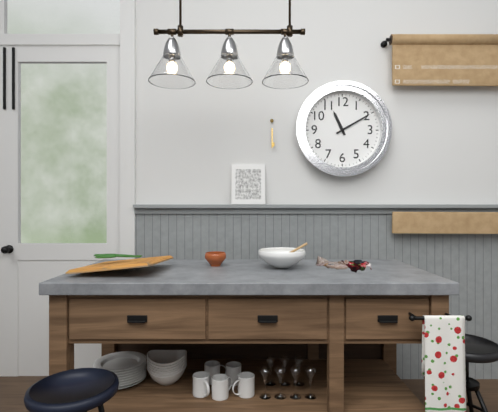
11:10
